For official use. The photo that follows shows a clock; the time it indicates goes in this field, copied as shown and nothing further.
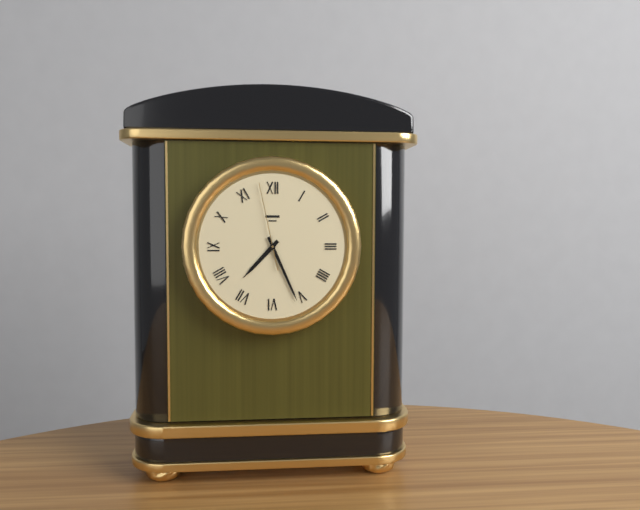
7:26:58
